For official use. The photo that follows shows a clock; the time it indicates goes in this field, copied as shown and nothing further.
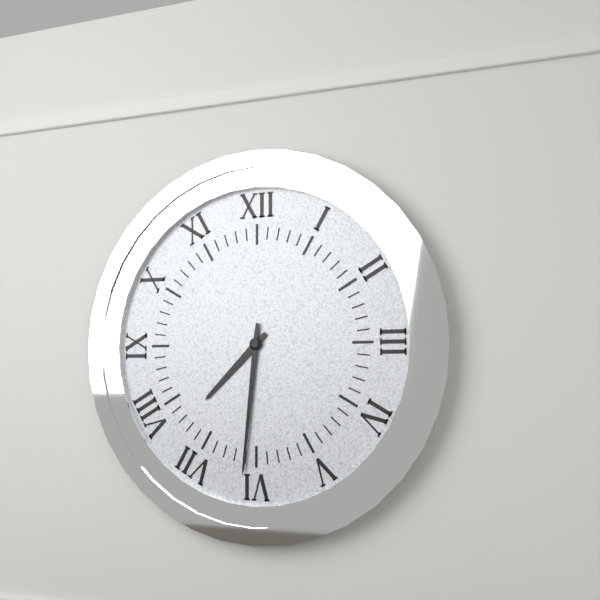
7:31
